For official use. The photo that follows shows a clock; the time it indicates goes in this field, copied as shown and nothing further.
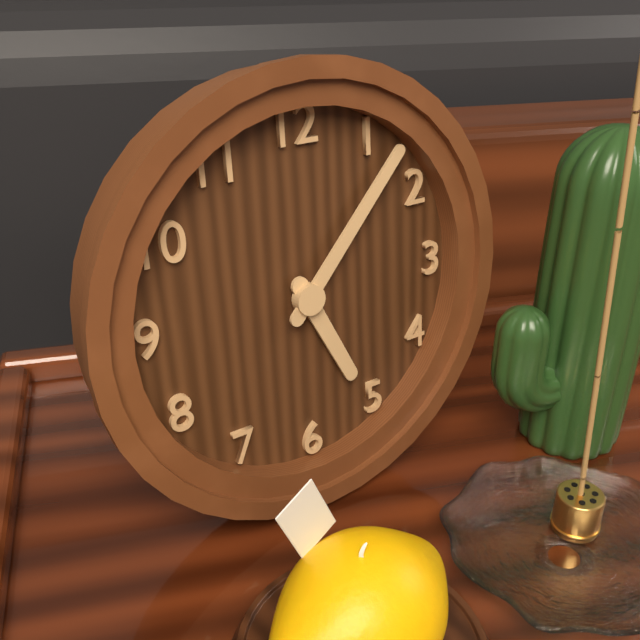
5:07
